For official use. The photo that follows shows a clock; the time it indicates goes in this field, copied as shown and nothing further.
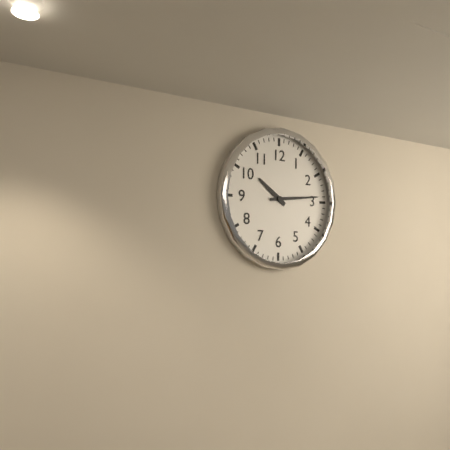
10:14
